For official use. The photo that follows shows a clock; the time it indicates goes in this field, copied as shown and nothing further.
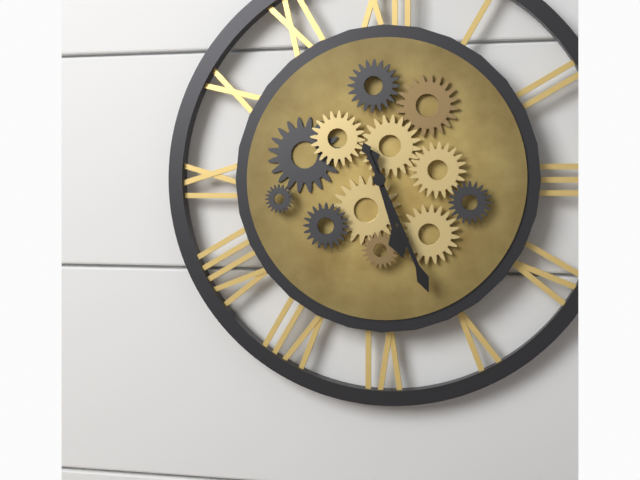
5:26
